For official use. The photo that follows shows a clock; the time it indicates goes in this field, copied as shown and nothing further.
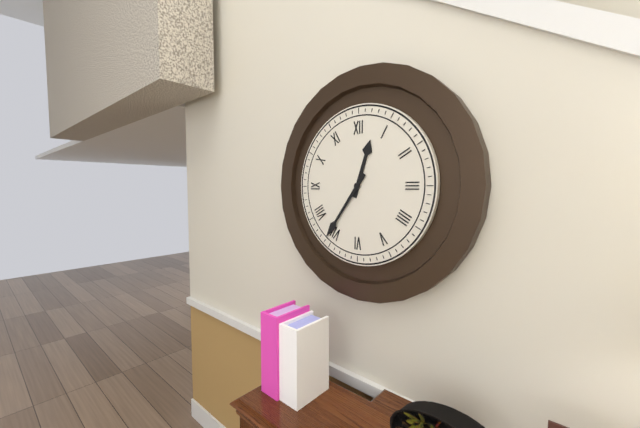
12:36
